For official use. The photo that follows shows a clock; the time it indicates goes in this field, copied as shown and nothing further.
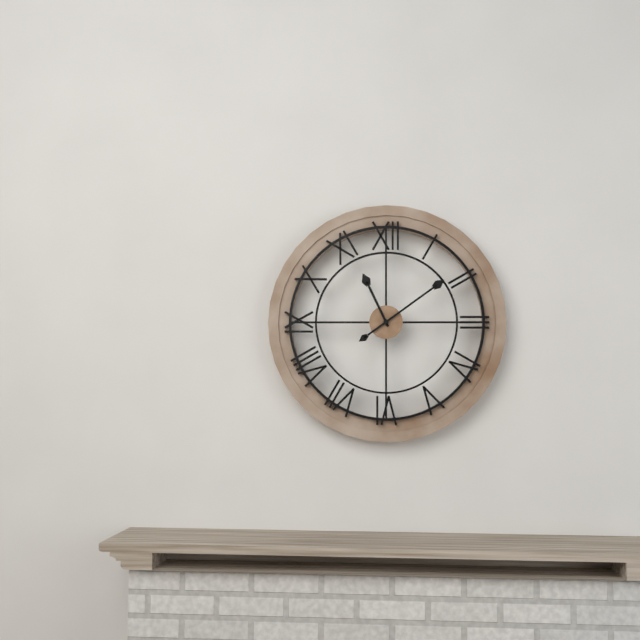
11:09
